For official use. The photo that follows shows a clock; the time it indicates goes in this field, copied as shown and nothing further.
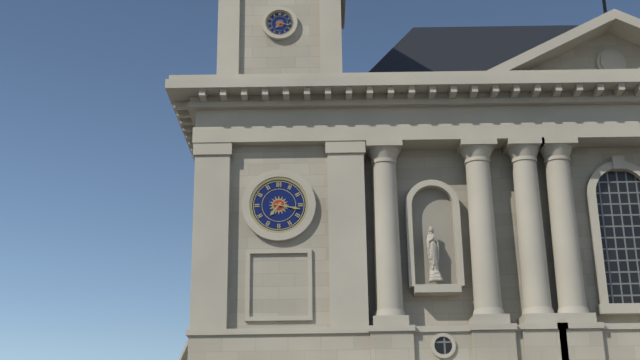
7:17
